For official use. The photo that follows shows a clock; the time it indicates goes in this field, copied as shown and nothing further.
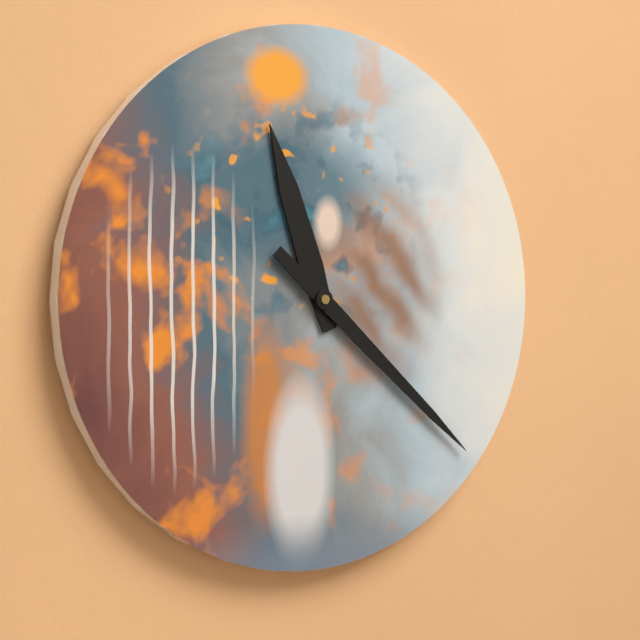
11:22
